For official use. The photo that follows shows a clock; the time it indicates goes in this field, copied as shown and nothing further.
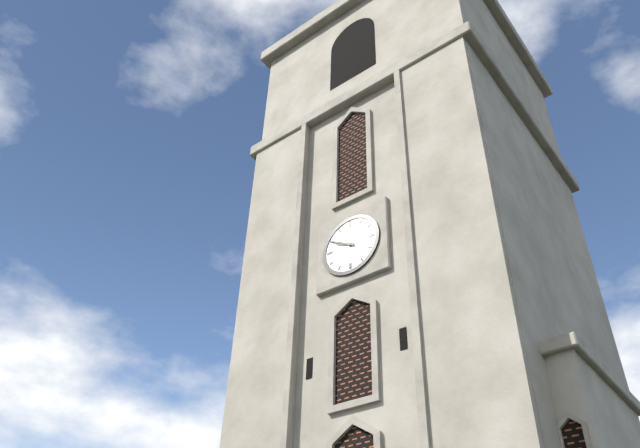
9:50
